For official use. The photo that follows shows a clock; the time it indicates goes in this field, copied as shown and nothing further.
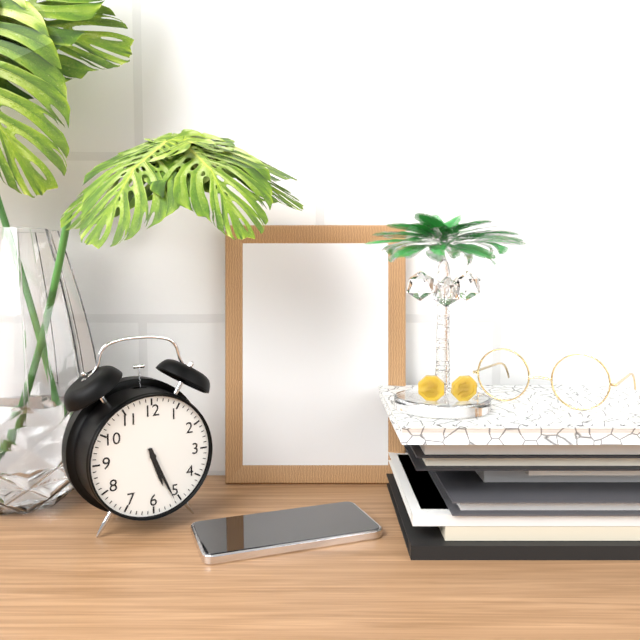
5:26
